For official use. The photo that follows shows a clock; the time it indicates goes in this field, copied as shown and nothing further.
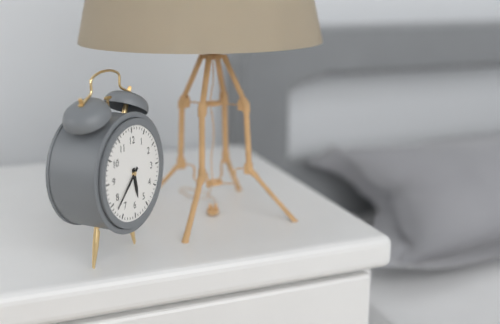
5:38
